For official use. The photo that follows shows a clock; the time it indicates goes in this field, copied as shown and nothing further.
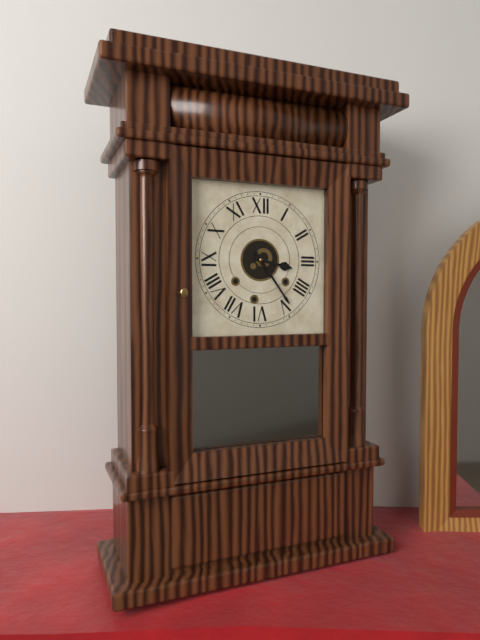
3:24
